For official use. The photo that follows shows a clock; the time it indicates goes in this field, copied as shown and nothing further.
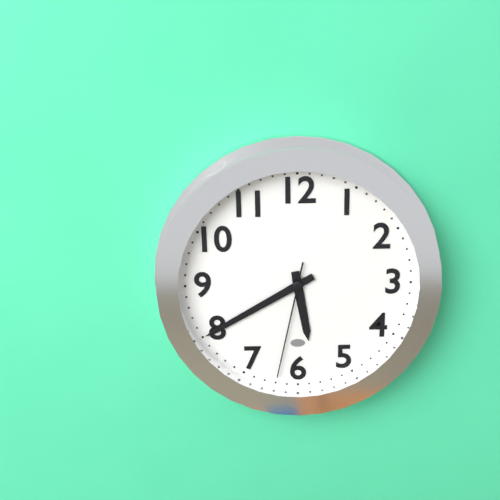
5:40:32
